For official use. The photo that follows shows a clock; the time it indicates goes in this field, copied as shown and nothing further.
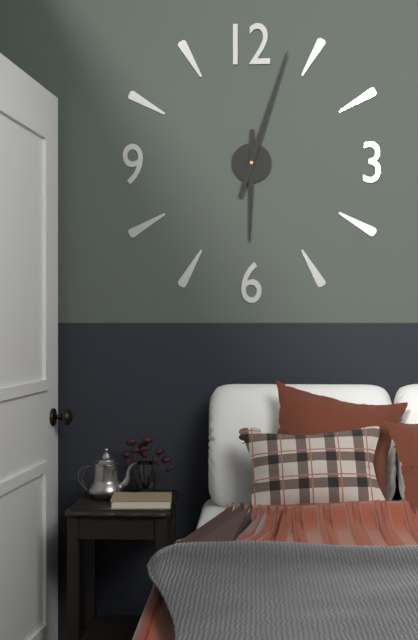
6:03
